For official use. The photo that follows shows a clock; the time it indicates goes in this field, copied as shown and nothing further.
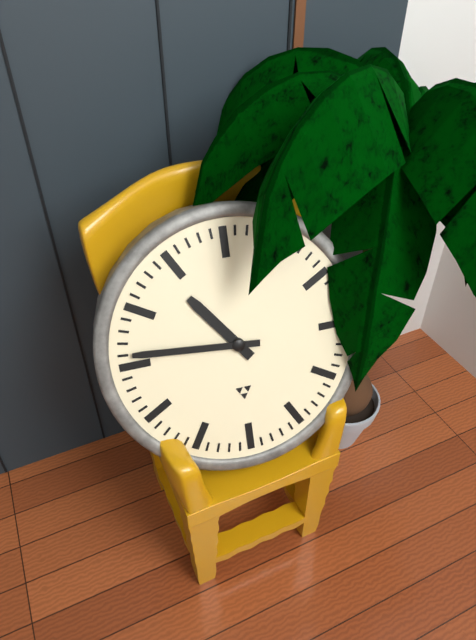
10:46
